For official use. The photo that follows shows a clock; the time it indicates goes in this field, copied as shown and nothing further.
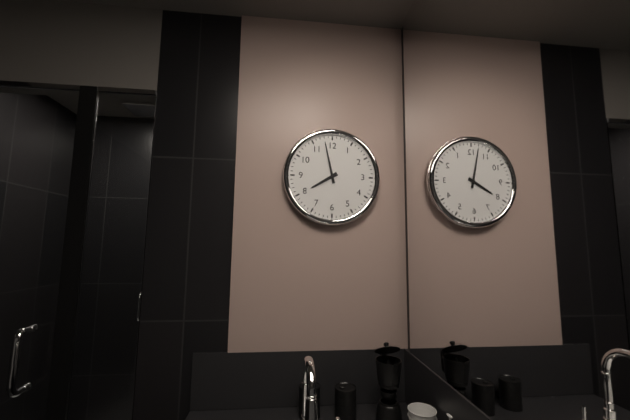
7:58
